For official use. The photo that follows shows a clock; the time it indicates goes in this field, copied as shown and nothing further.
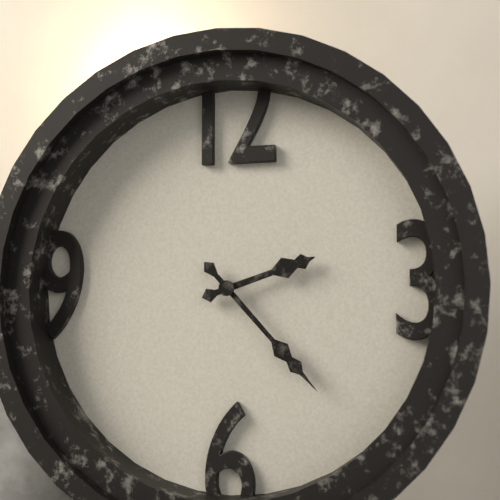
2:23
